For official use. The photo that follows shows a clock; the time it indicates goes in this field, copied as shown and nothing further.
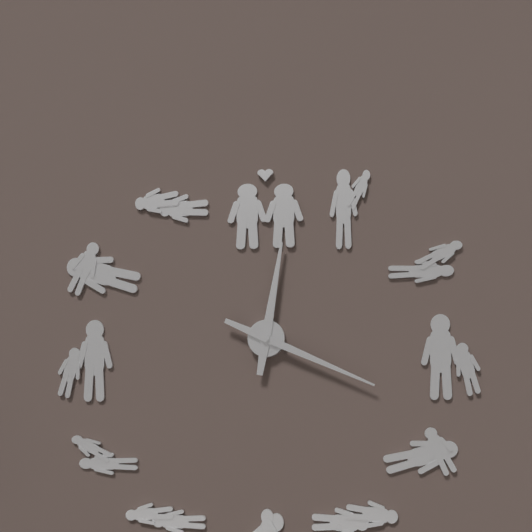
12:19
